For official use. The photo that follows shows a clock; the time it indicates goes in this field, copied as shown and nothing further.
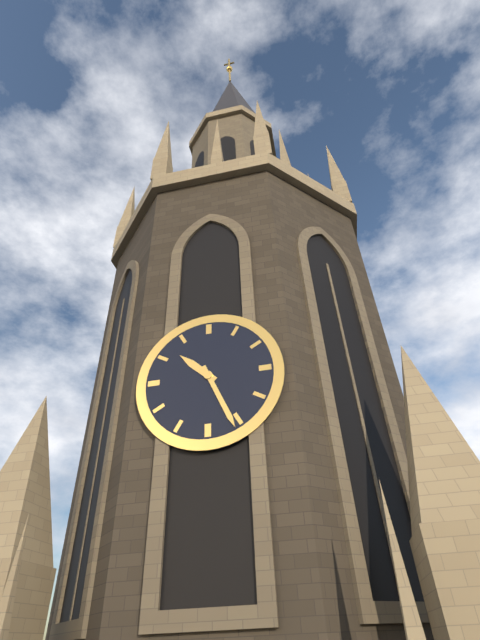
10:26
